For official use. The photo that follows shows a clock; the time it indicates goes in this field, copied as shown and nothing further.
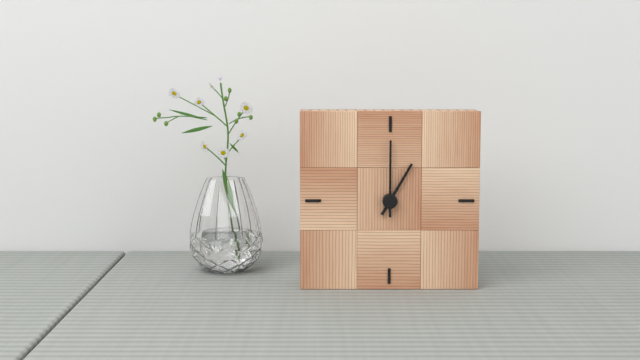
1:00
